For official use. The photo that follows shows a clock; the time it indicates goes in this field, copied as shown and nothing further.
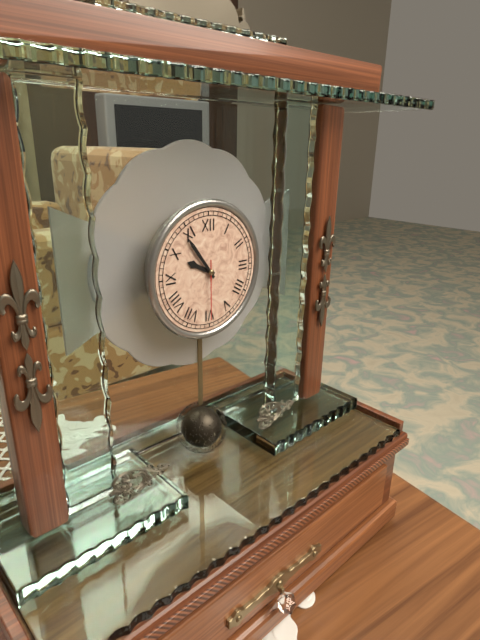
9:54:30
